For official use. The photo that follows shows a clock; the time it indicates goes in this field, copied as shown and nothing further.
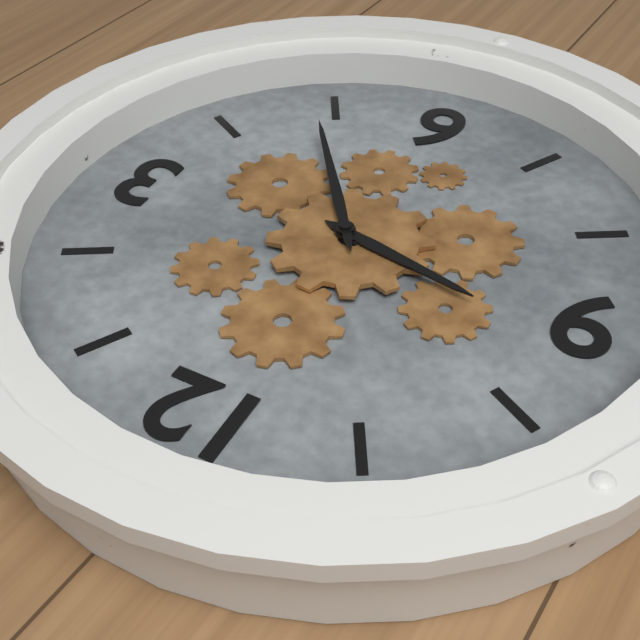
9:24
